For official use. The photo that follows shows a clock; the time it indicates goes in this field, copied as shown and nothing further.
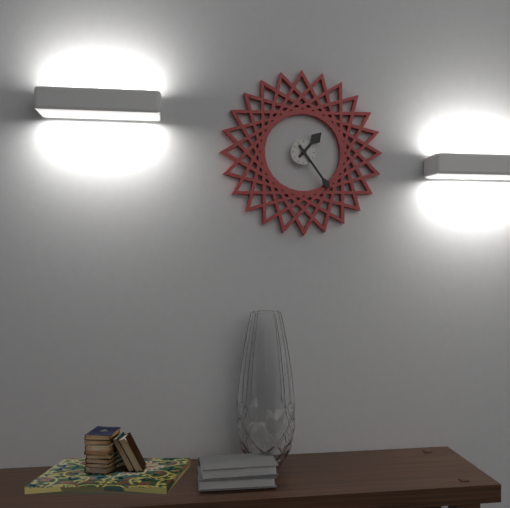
1:24
